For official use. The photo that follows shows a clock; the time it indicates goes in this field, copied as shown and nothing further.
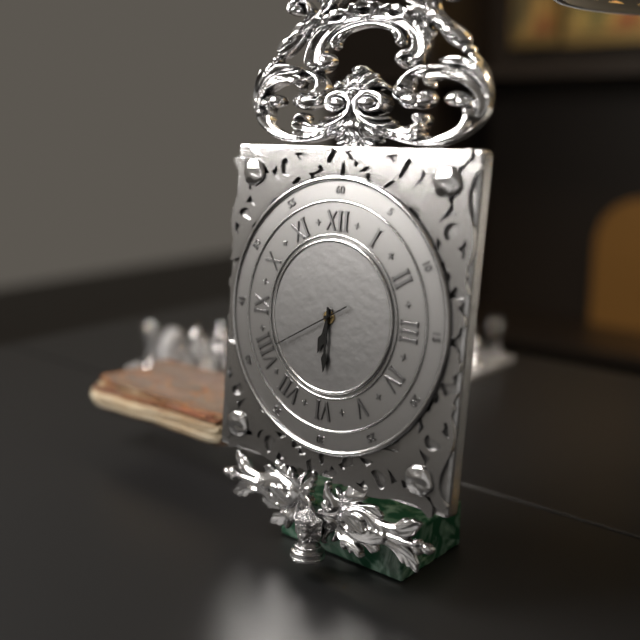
6:30:40
